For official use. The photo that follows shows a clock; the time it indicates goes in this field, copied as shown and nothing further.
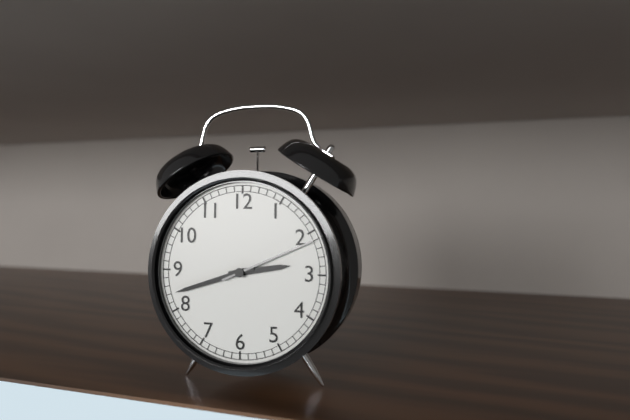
2:42:11
